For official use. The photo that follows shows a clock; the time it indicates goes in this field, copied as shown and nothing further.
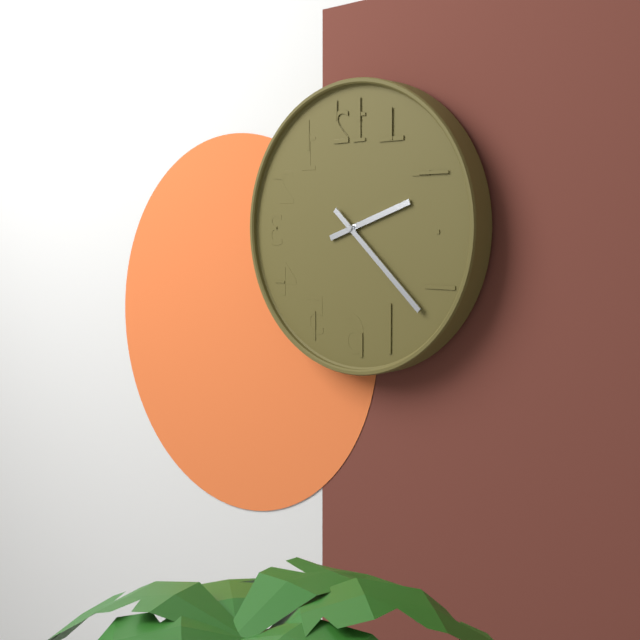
2:22
